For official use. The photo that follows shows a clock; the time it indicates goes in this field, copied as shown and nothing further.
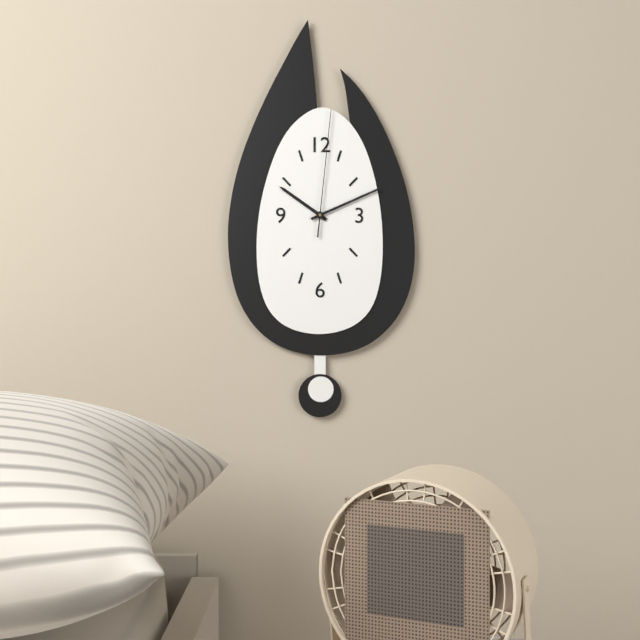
10:11:01
